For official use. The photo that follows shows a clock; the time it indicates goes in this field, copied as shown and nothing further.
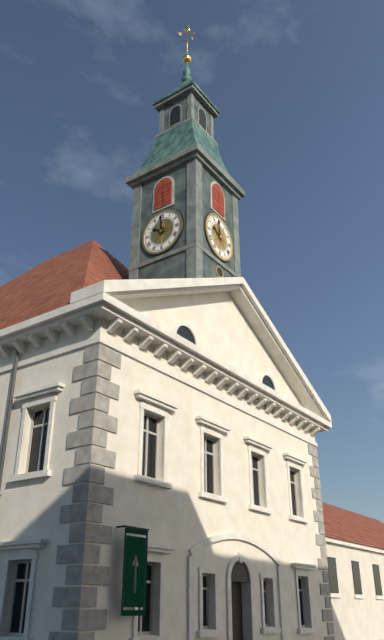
9:59
